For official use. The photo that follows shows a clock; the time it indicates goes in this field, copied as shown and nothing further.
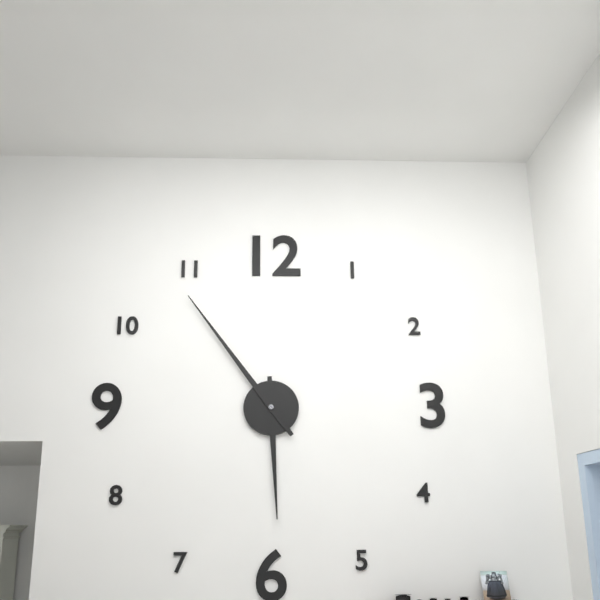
5:54
